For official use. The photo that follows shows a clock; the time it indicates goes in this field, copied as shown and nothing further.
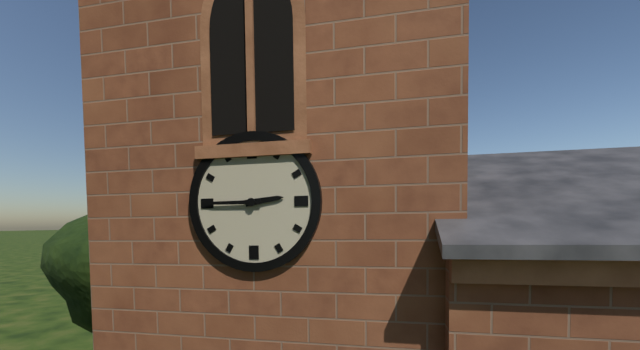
2:45
